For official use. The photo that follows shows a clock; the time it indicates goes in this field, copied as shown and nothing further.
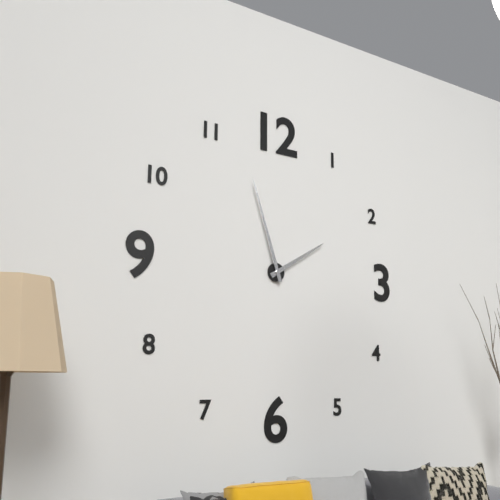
1:57
